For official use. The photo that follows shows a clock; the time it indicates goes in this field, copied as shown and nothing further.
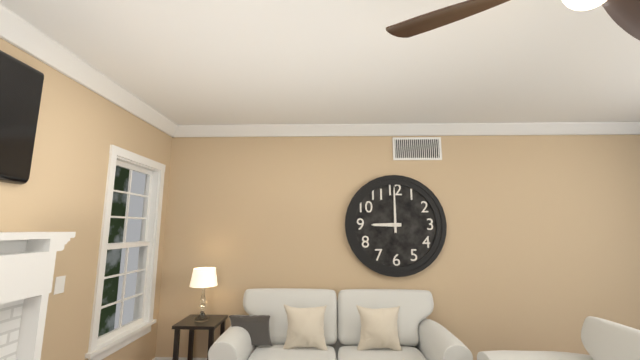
9:00
